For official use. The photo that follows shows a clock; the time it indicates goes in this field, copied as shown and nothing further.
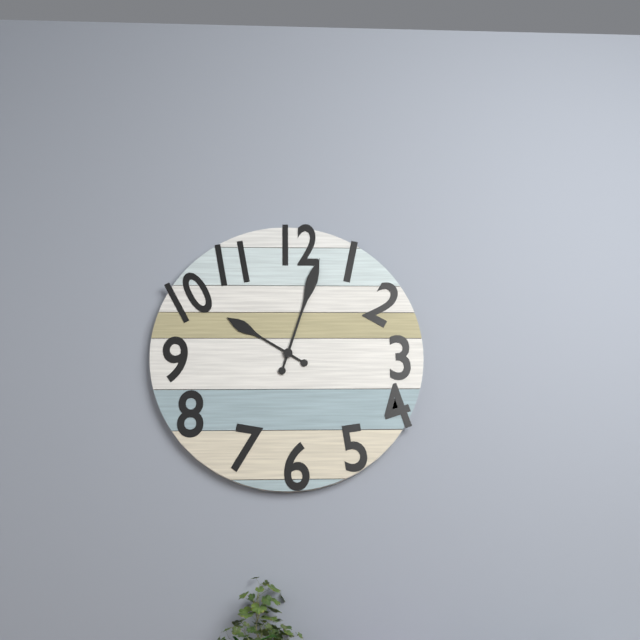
10:03
